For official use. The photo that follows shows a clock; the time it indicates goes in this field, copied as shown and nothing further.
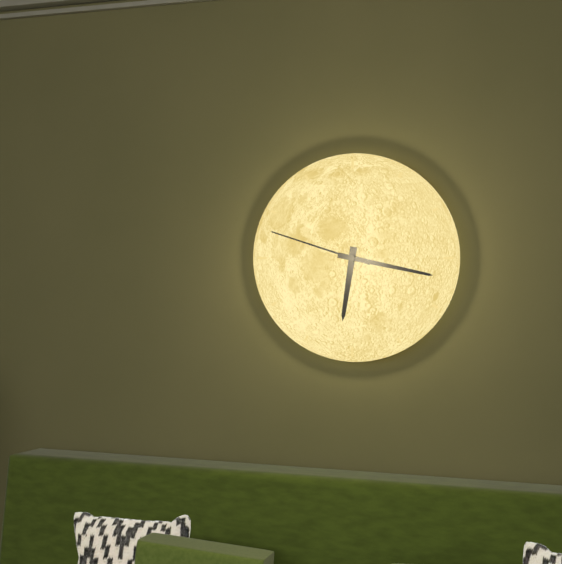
6:17:48
